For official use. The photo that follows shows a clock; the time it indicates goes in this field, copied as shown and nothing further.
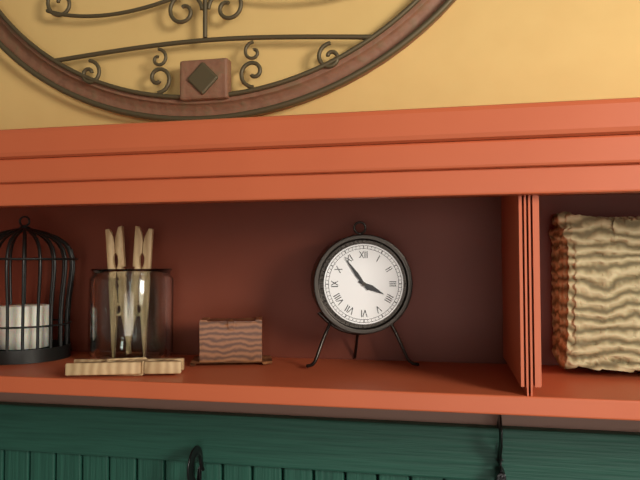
3:54
